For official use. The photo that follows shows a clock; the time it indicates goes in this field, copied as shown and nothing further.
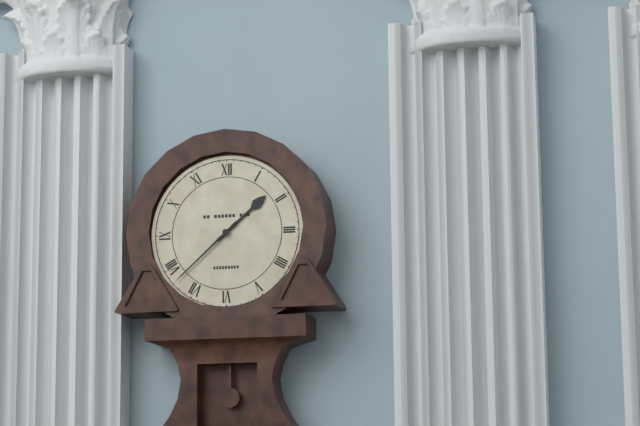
1:38
